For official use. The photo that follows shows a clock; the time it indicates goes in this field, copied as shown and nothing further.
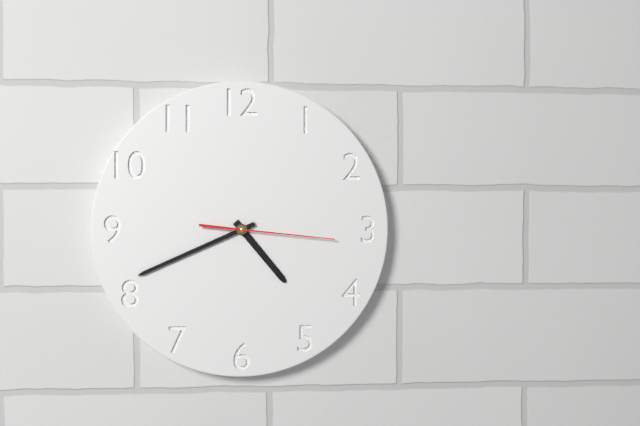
4:41:16
